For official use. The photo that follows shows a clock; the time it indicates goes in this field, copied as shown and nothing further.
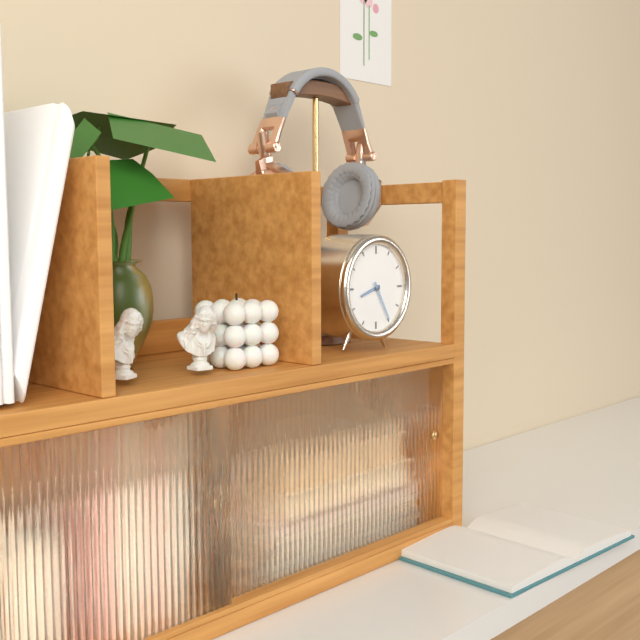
8:25
